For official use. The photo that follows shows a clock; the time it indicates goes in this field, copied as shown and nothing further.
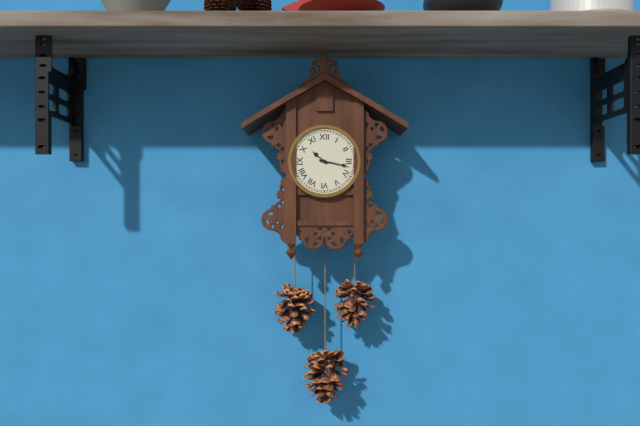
10:17
